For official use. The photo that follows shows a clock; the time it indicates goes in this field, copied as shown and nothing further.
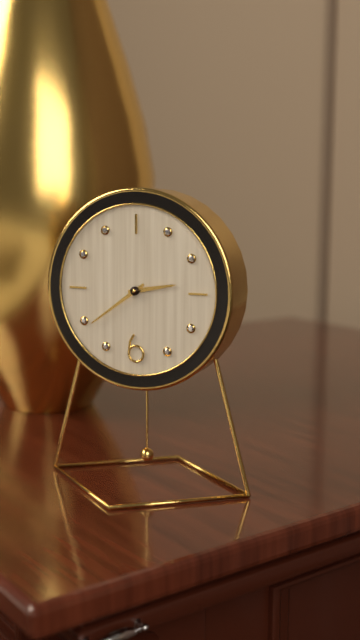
2:39
